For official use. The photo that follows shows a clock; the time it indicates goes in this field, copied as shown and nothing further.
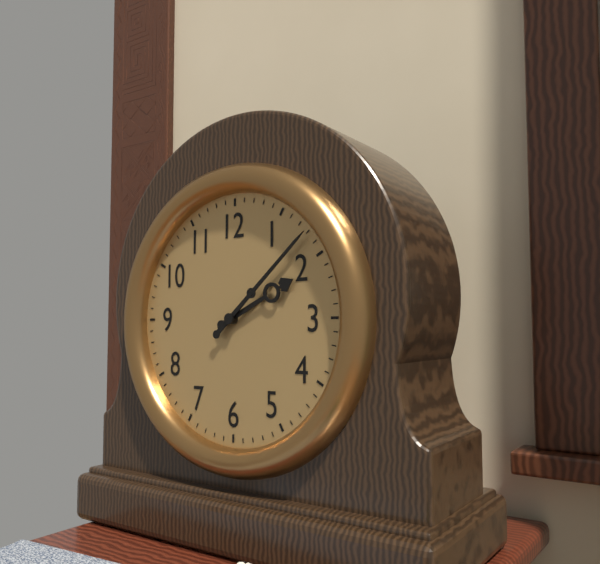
2:08
